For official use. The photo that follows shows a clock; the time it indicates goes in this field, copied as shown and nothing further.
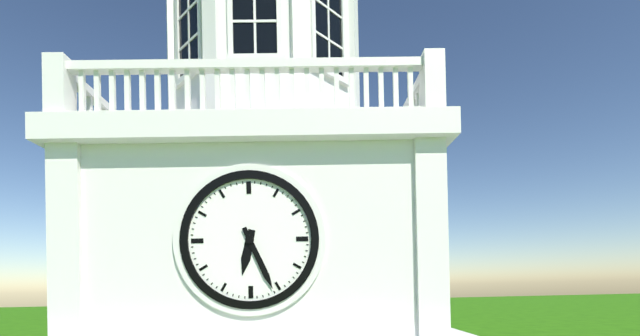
6:26
